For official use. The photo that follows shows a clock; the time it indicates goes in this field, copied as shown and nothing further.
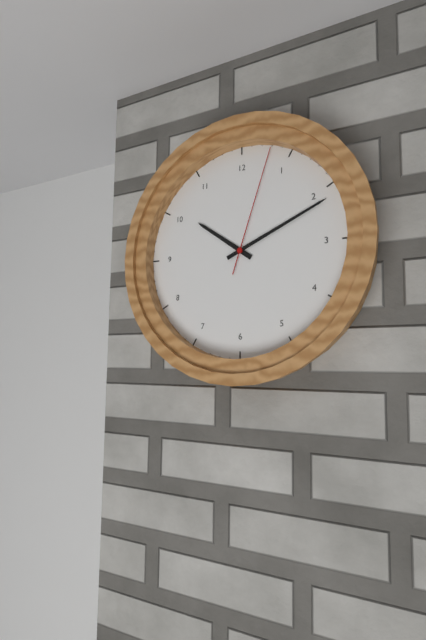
10:11:03
